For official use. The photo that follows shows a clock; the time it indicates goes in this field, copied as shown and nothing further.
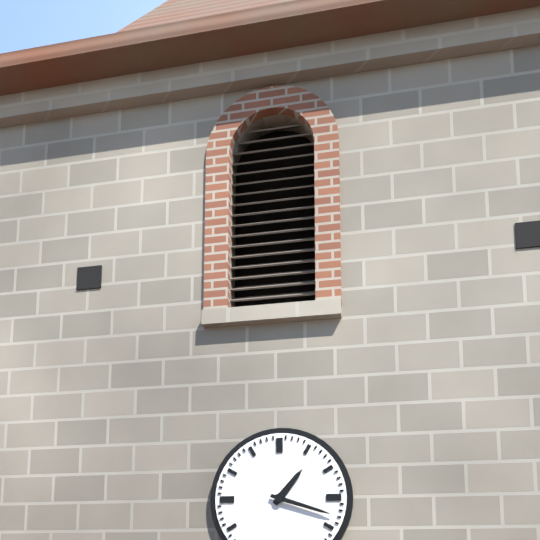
1:18
